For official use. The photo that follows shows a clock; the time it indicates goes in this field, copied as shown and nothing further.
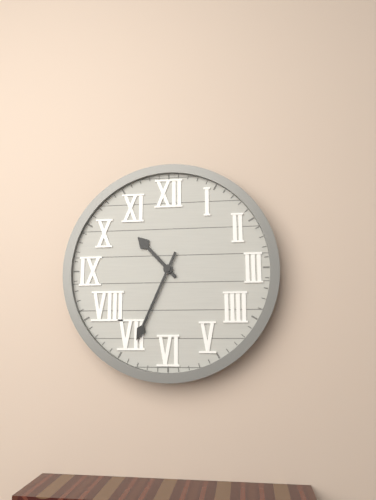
10:34
